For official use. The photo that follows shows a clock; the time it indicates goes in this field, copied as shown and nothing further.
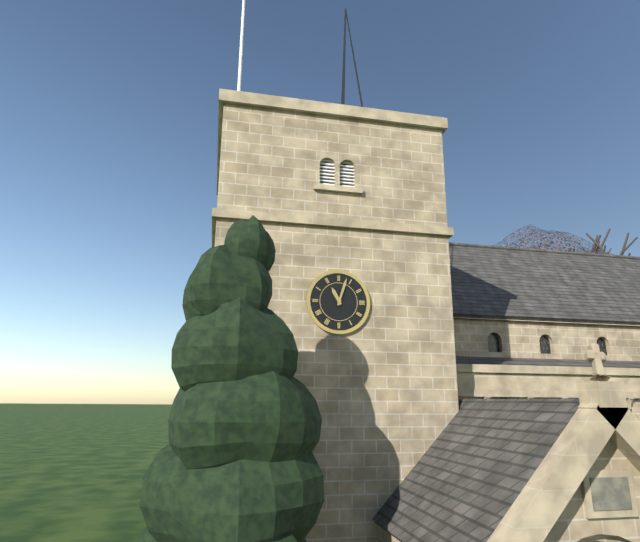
11:03
